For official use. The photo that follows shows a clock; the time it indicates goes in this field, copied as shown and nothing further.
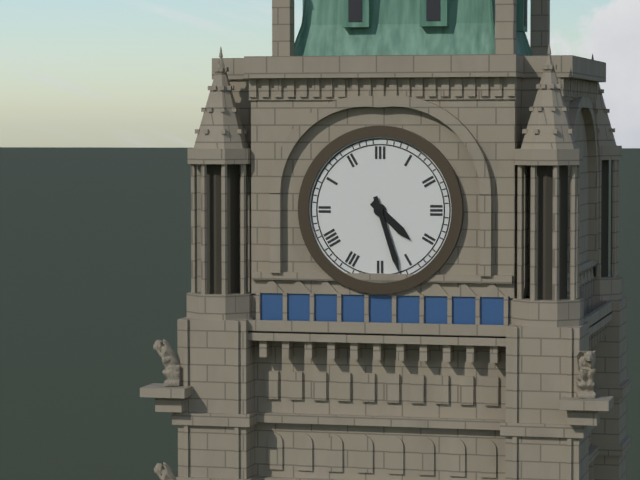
4:27
